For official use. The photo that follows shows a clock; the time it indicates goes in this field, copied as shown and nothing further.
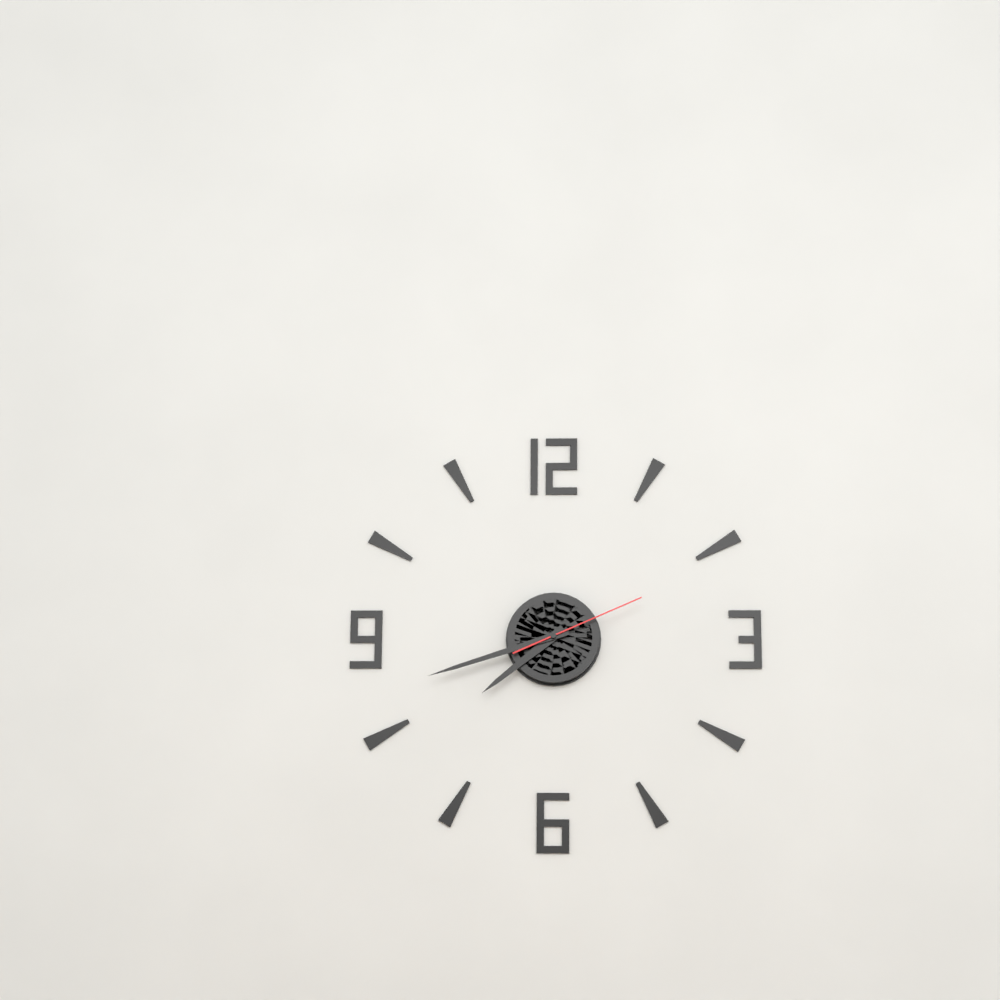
7:42:11
